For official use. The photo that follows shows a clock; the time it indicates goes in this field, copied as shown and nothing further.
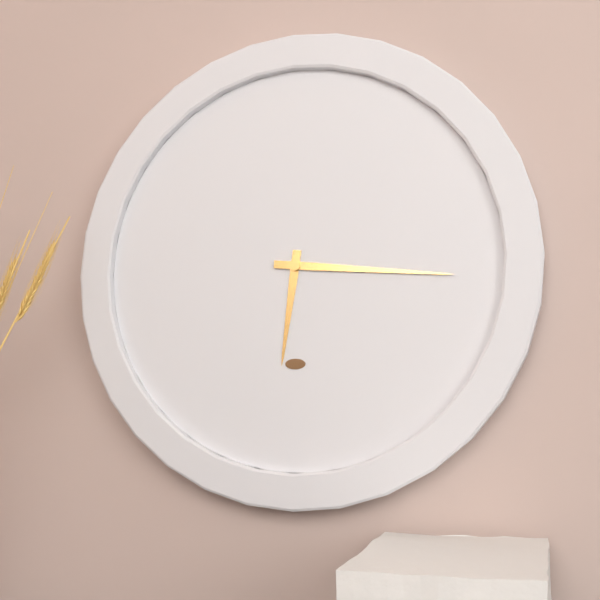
6:16
